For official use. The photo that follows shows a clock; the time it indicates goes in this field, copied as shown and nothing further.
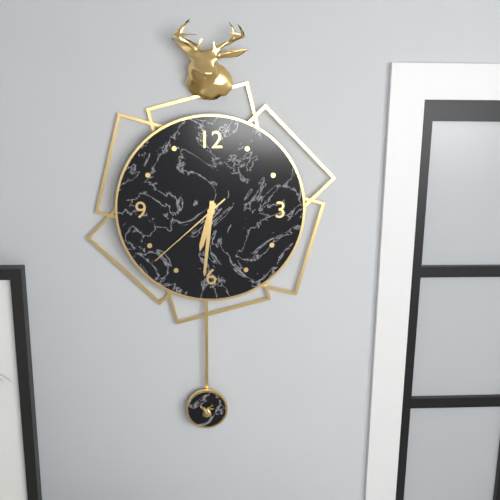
6:31:38
